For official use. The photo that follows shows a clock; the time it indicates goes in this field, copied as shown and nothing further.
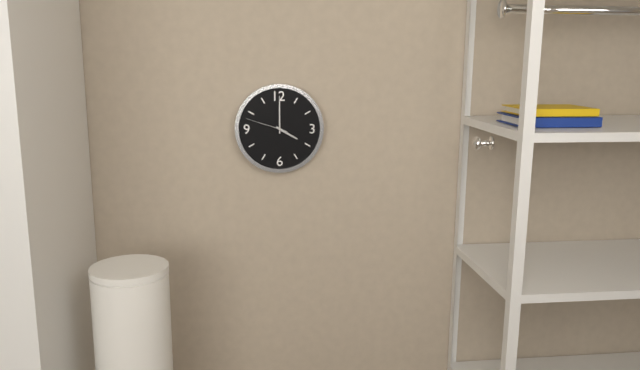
4:00
